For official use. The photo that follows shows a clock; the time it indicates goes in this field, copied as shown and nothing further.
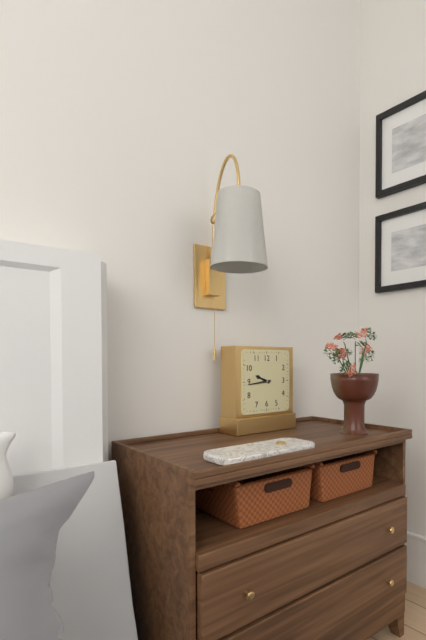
9:44
